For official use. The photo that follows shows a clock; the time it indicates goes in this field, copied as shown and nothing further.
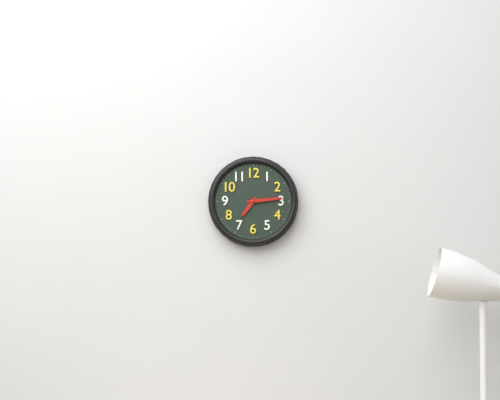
7:14
